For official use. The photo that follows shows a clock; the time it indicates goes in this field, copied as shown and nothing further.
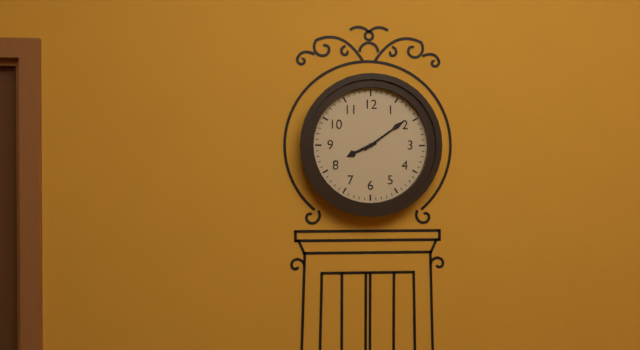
8:09
